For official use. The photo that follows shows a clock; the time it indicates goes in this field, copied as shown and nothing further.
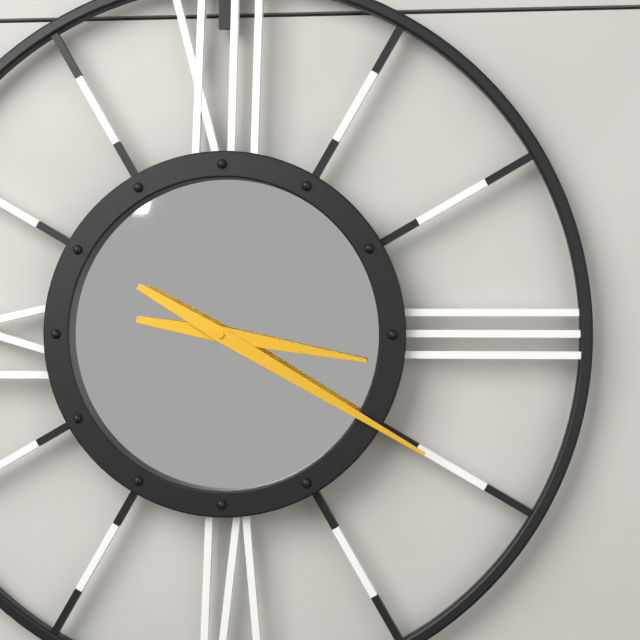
3:20
